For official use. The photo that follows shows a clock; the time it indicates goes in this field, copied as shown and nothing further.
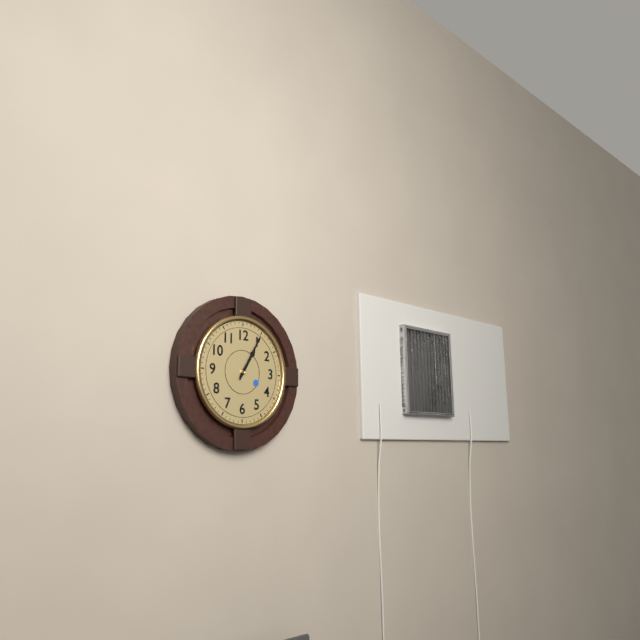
1:05
